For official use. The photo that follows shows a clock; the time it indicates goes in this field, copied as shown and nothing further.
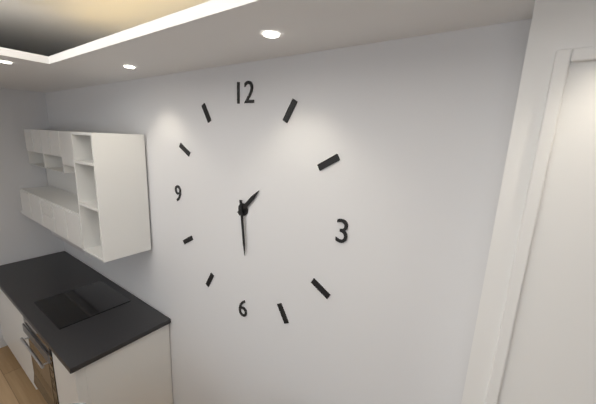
1:29
